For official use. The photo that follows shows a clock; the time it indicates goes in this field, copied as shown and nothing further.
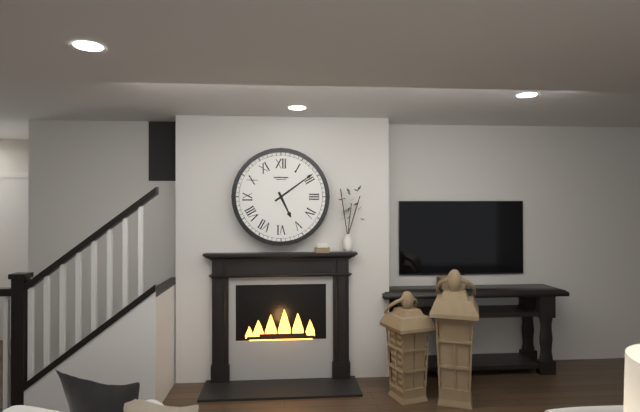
5:09
